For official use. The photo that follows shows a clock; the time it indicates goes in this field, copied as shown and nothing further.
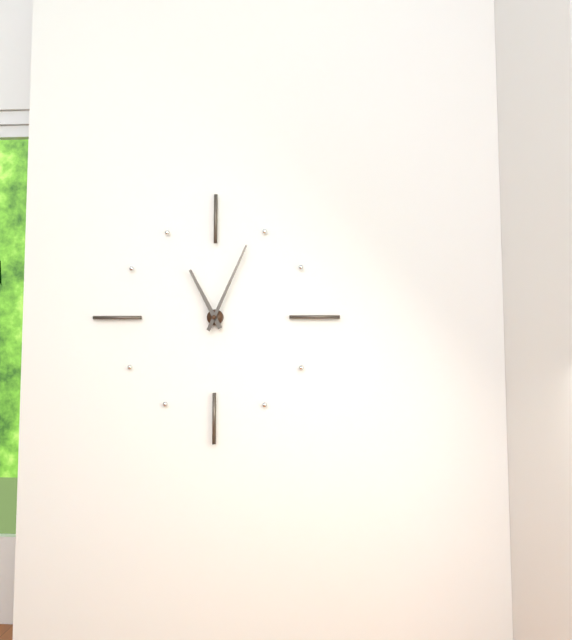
11:04
